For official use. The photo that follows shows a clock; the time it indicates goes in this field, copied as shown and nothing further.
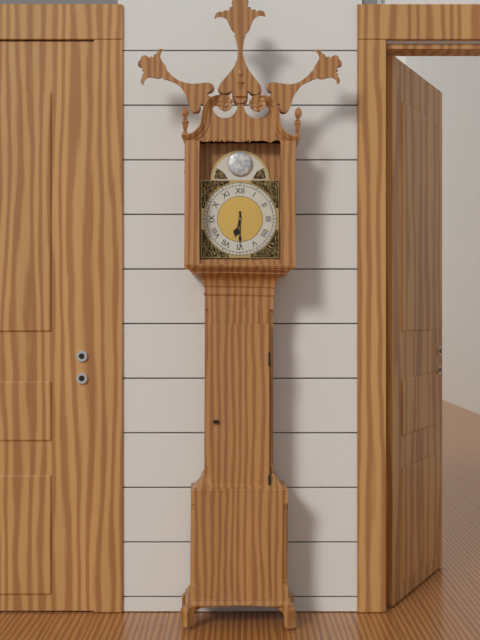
6:30
